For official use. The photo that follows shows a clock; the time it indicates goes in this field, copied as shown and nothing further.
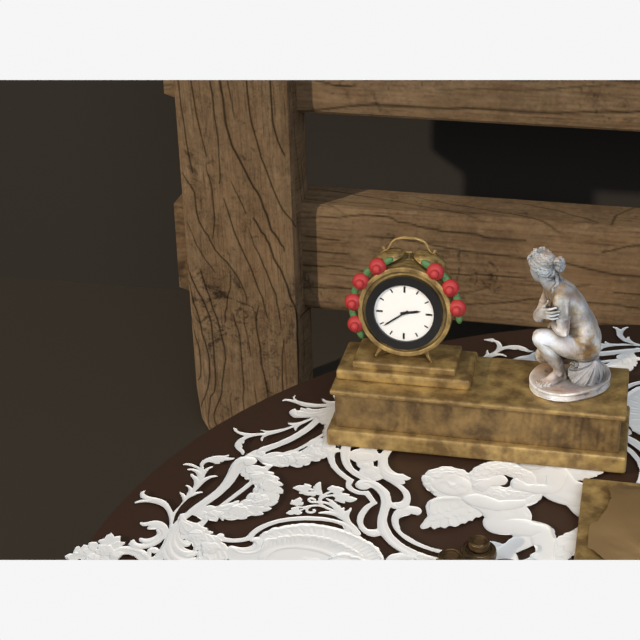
2:39
